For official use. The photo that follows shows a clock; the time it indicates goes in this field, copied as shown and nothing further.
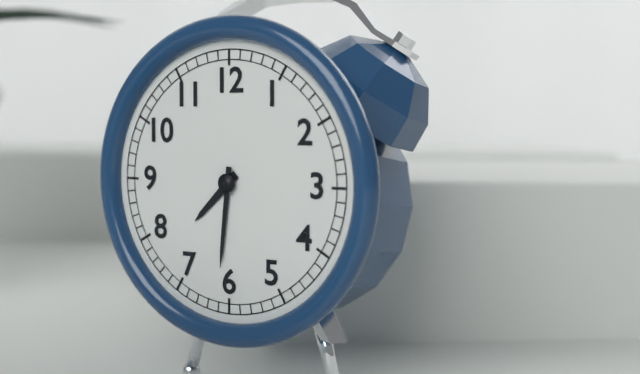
7:31
